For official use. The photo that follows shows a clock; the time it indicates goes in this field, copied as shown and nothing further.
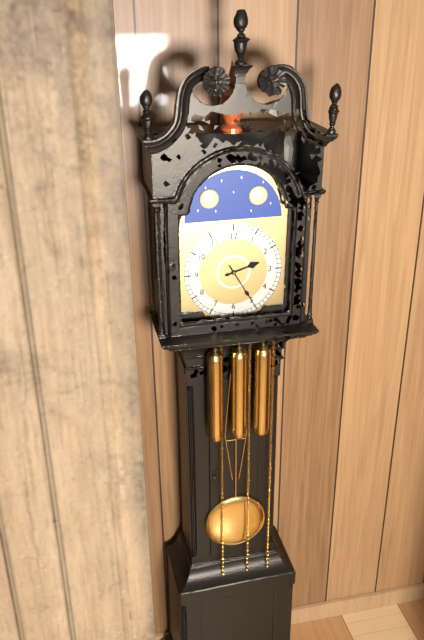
2:25
